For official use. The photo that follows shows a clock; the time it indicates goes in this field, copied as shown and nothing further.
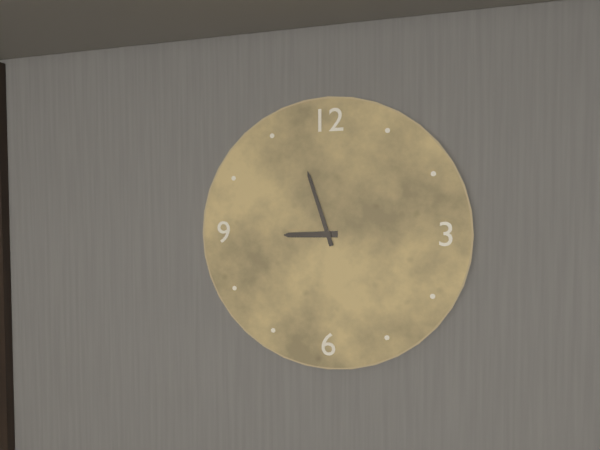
8:57
